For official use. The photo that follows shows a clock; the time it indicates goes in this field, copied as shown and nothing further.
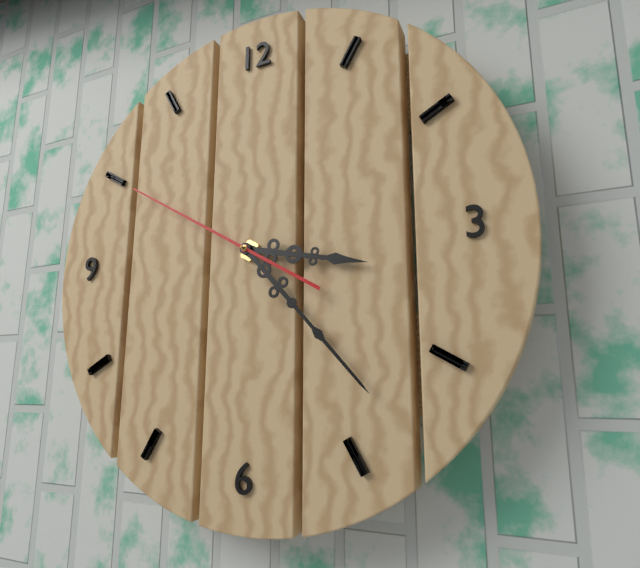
3:23:50
